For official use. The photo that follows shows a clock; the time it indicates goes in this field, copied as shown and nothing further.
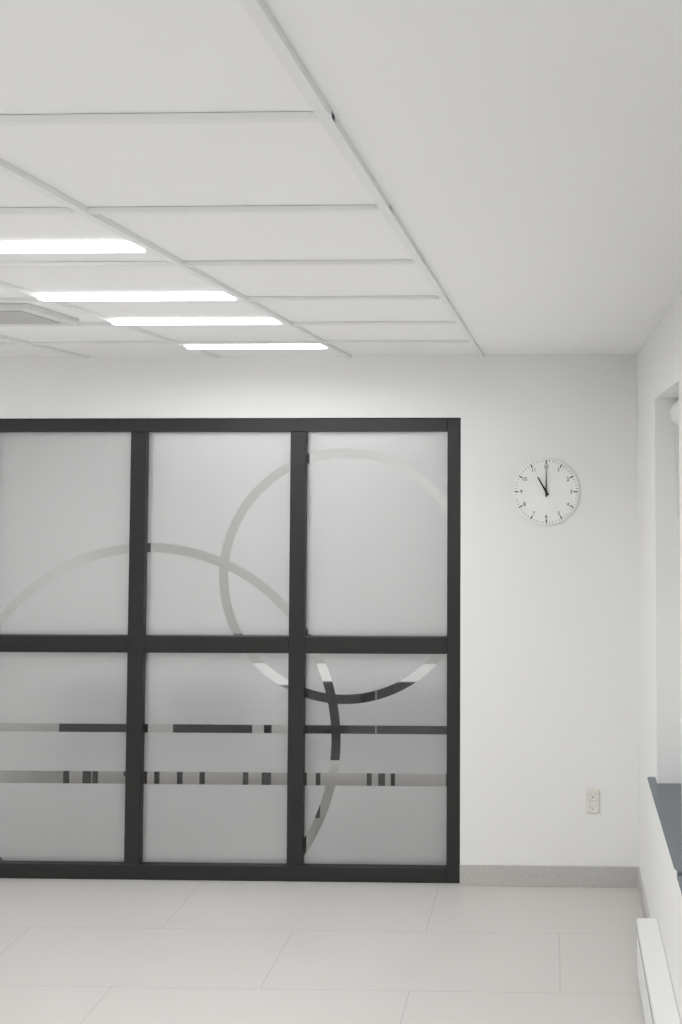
11:00
